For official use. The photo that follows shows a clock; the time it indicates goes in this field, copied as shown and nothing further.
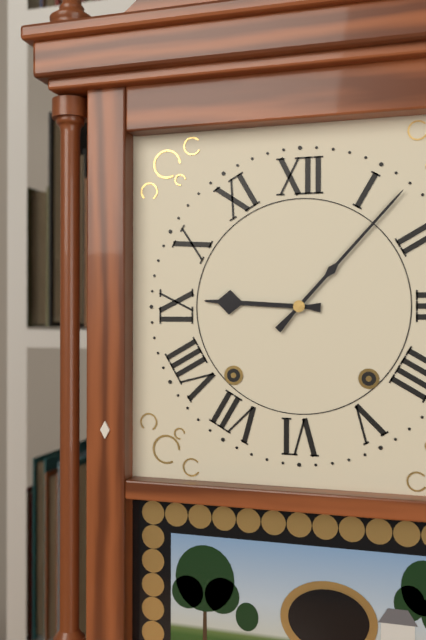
9:07
